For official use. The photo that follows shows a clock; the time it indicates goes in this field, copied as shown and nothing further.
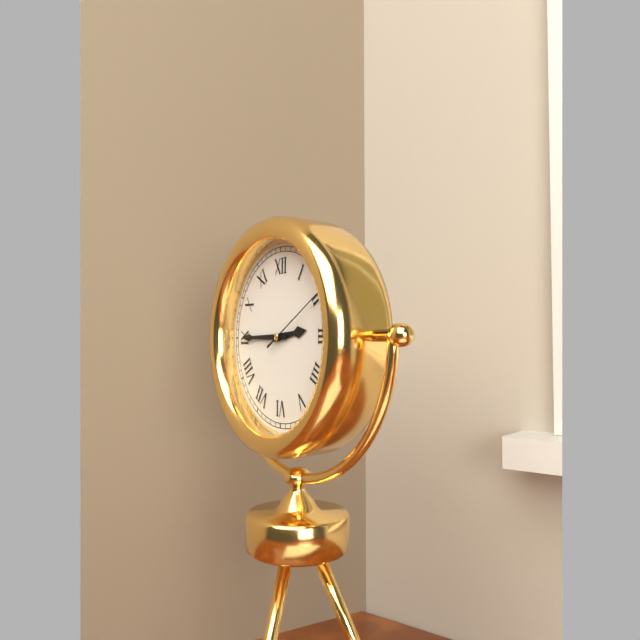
2:45:10
